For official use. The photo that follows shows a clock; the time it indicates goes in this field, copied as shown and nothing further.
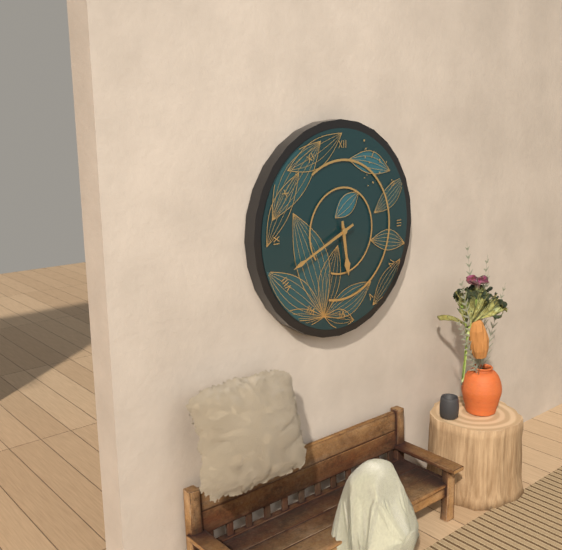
5:41
